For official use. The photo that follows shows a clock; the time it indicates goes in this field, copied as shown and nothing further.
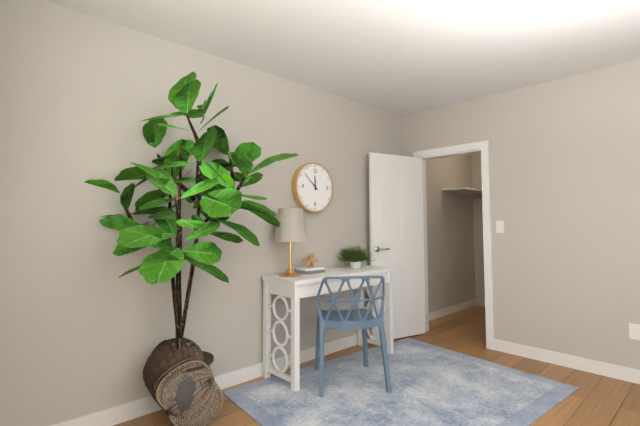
11:52
